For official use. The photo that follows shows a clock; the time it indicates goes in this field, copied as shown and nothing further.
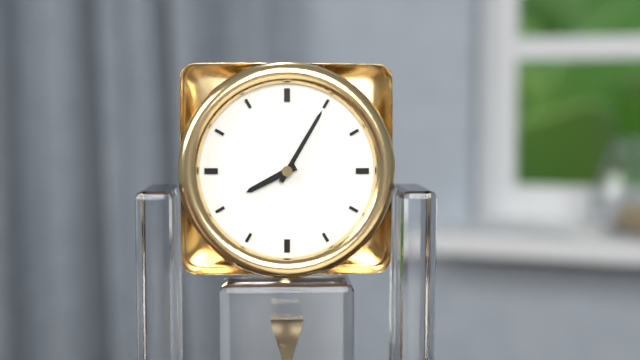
8:05
